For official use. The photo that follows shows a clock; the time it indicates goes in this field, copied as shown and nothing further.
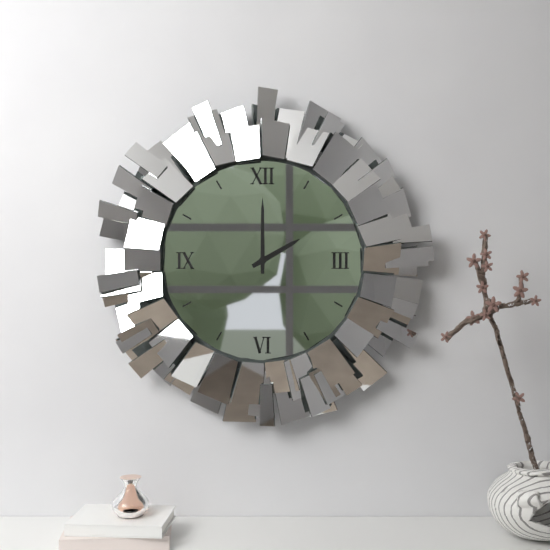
2:00
